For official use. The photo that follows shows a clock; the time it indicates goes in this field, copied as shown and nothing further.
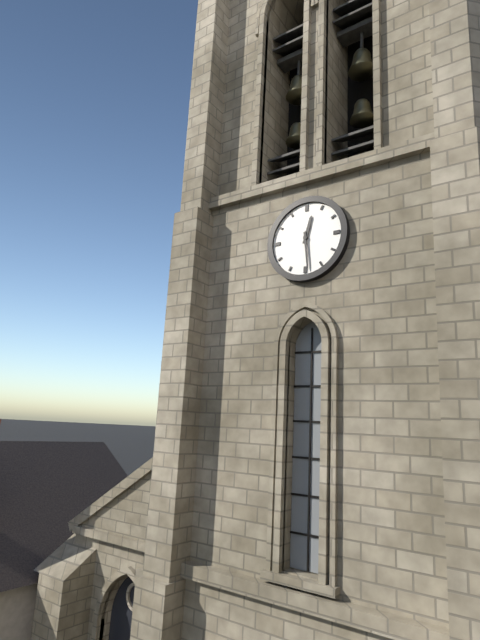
12:29
